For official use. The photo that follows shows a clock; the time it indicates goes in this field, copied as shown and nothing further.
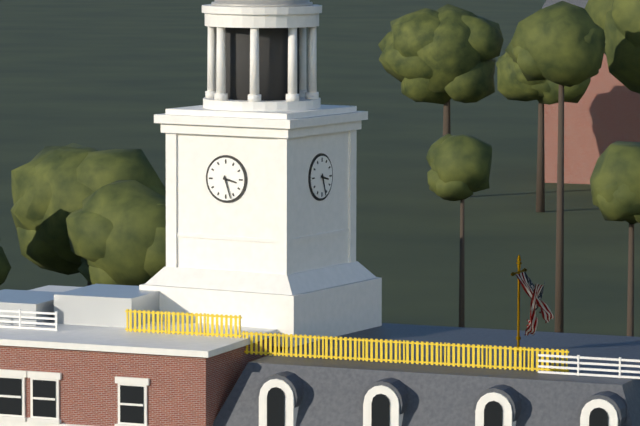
3:27
